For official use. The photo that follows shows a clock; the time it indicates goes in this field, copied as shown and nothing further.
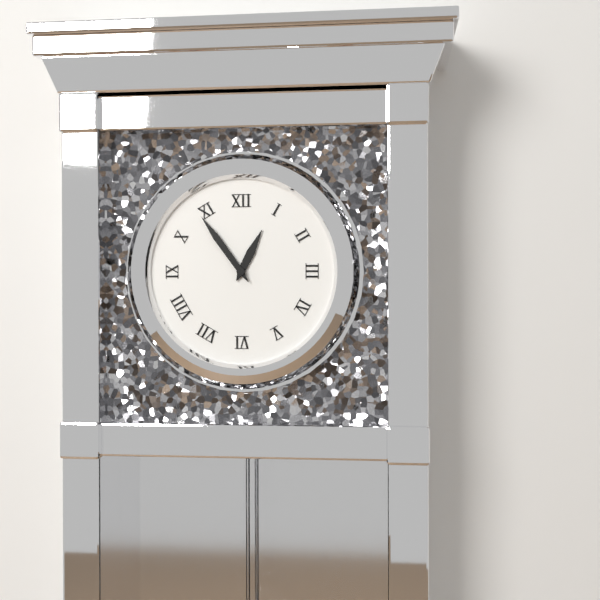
12:54
